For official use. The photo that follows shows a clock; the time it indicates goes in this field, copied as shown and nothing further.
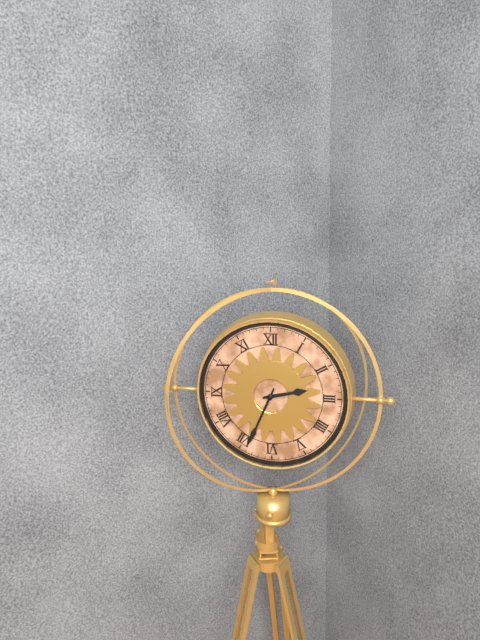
2:34
